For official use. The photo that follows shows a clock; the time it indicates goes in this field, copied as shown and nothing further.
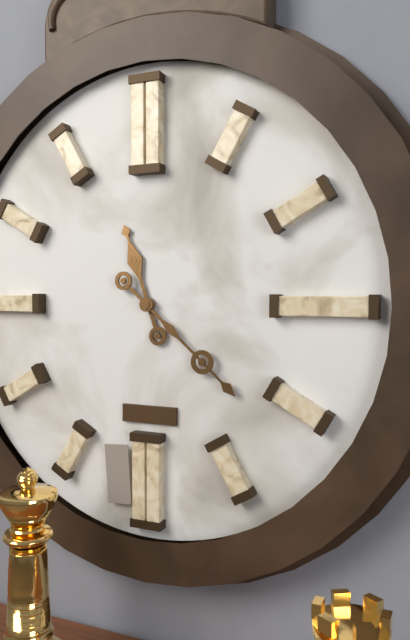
11:22
